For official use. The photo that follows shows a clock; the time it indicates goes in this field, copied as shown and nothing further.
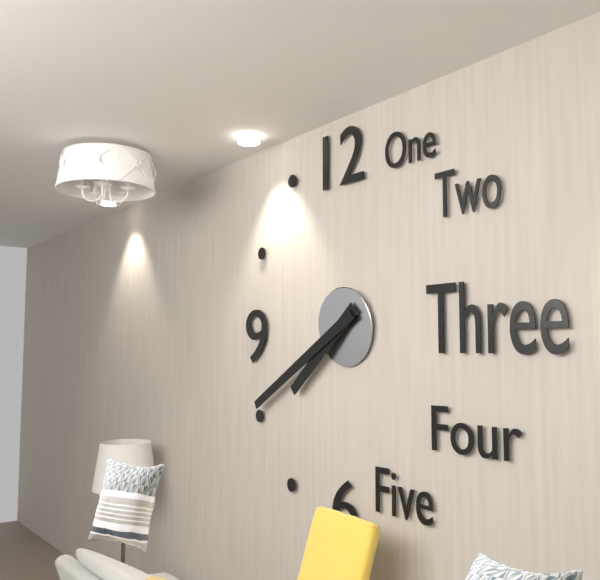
7:40
